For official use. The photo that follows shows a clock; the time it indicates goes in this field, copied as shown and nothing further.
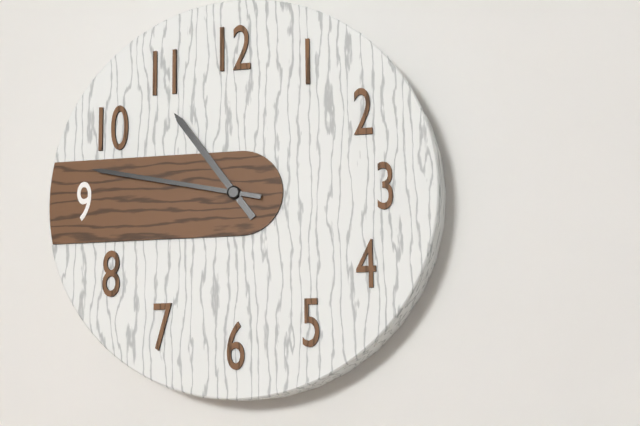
10:47
